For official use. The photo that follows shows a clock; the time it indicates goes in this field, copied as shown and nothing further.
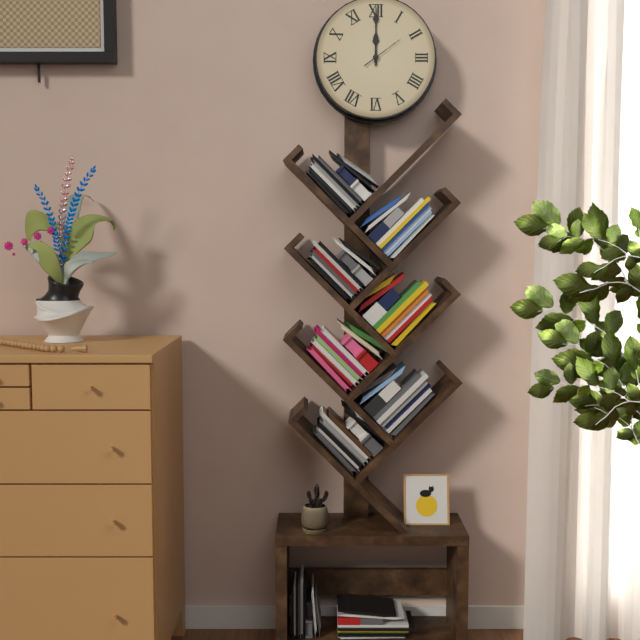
12:00
